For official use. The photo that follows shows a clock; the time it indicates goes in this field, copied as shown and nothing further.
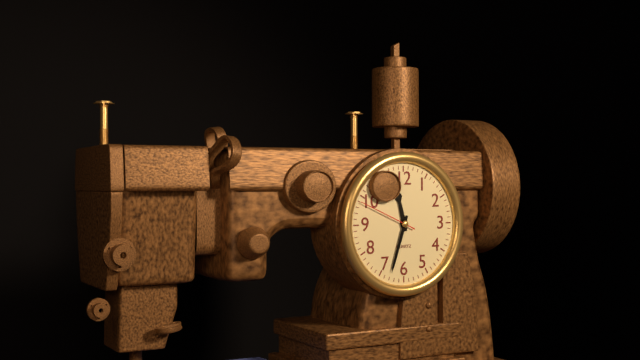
11:33:49
